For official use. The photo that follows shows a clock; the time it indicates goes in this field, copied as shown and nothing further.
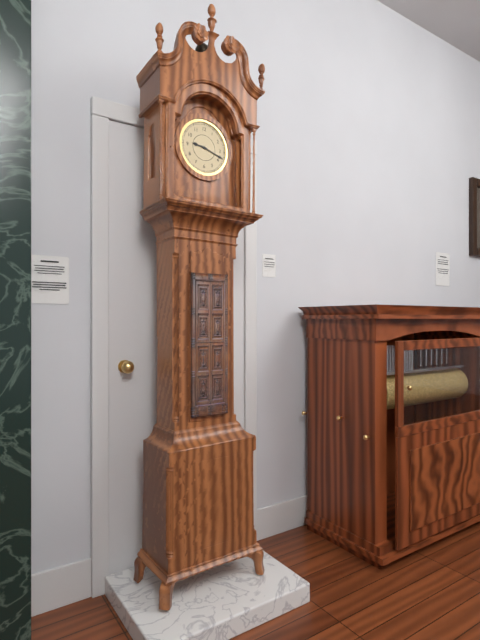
9:18
